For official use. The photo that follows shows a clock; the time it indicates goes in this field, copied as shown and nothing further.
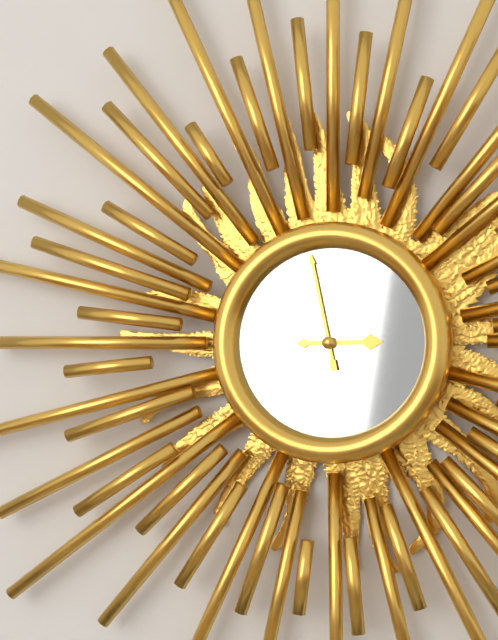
2:58
